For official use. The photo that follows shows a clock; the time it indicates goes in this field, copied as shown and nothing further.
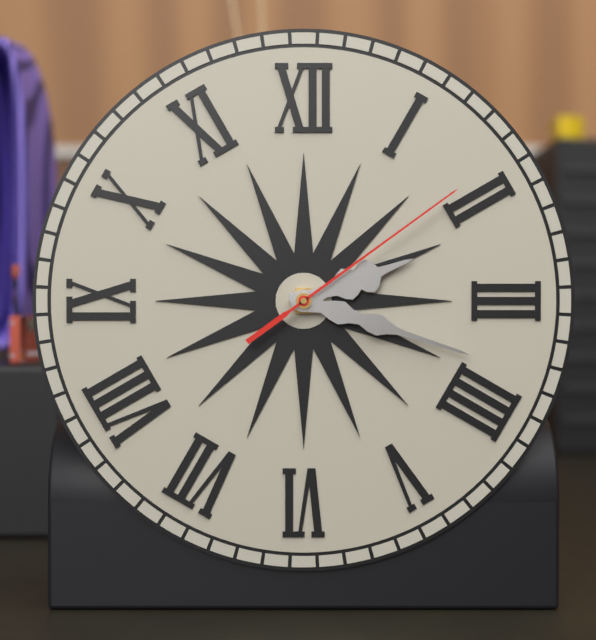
2:18:09
